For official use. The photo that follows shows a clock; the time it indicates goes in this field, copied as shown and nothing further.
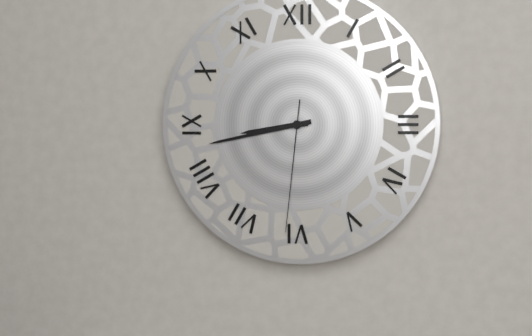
8:43:31
